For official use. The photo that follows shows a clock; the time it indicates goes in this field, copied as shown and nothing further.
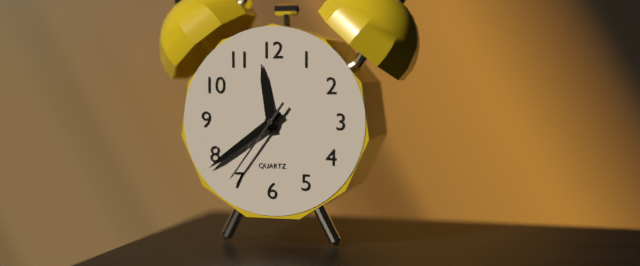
11:39:36
